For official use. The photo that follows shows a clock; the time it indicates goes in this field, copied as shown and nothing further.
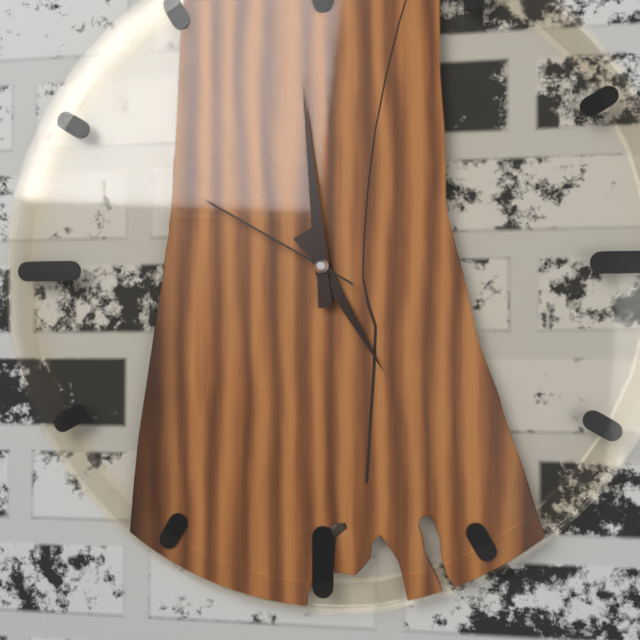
4:59:50
